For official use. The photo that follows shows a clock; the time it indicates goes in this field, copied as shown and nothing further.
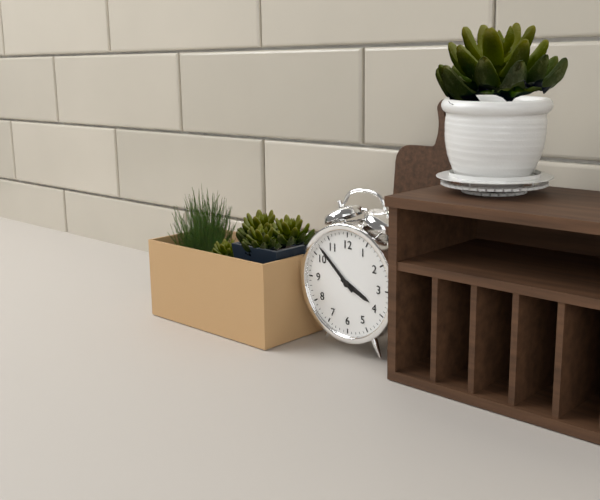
3:52
